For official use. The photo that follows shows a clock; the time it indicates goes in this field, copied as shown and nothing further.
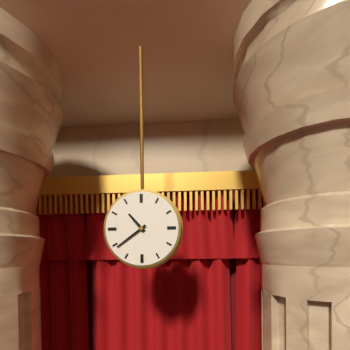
10:39
